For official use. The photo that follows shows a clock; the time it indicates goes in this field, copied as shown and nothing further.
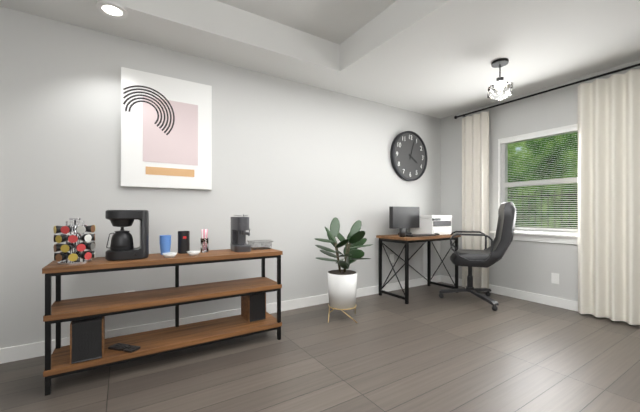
4:03
